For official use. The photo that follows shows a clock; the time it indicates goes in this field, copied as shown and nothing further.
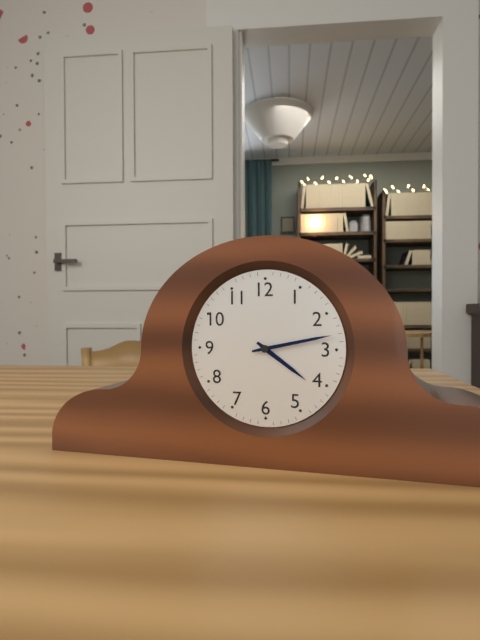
4:13
